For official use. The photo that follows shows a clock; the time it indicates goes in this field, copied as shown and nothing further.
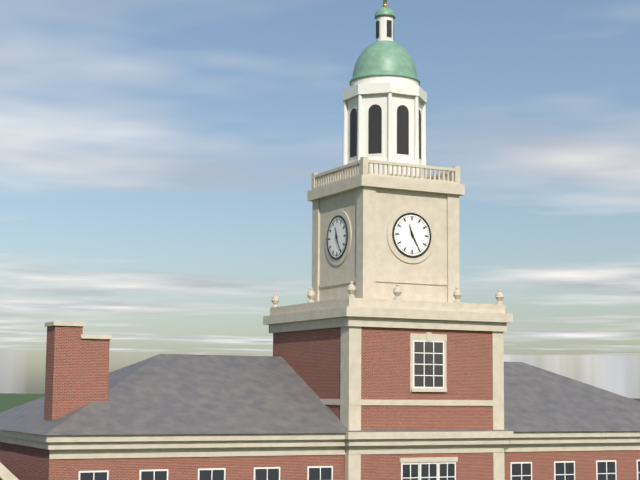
11:25
